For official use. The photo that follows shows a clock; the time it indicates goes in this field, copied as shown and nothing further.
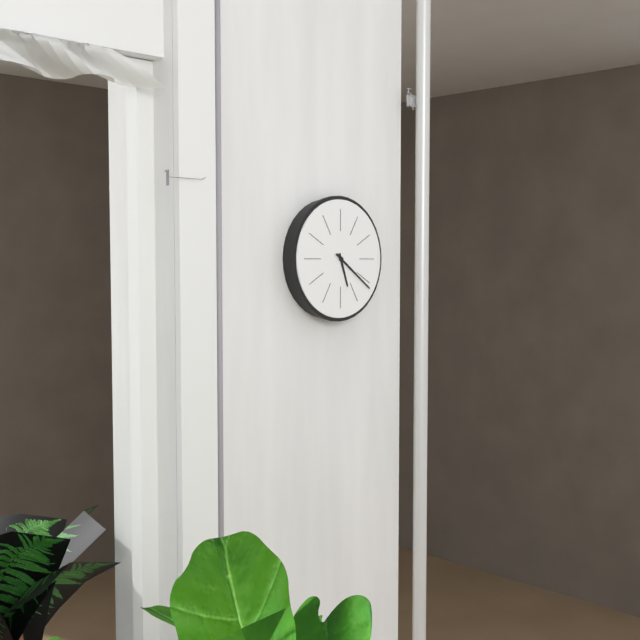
5:21
